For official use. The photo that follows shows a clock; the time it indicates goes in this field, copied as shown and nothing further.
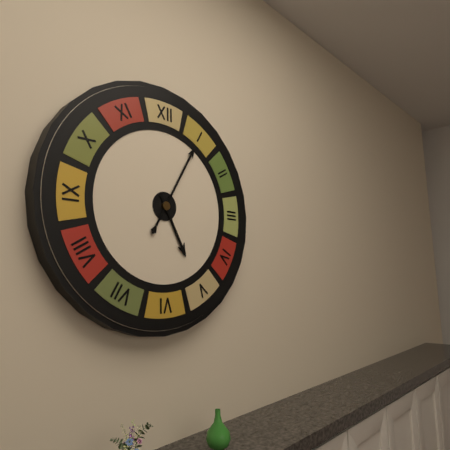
5:05
